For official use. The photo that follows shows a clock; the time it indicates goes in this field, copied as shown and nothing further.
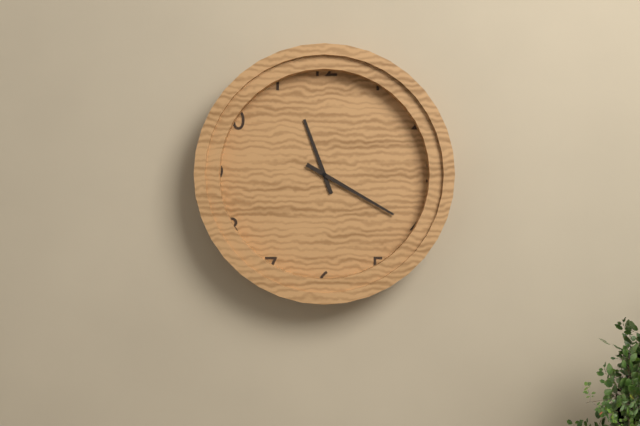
11:20
